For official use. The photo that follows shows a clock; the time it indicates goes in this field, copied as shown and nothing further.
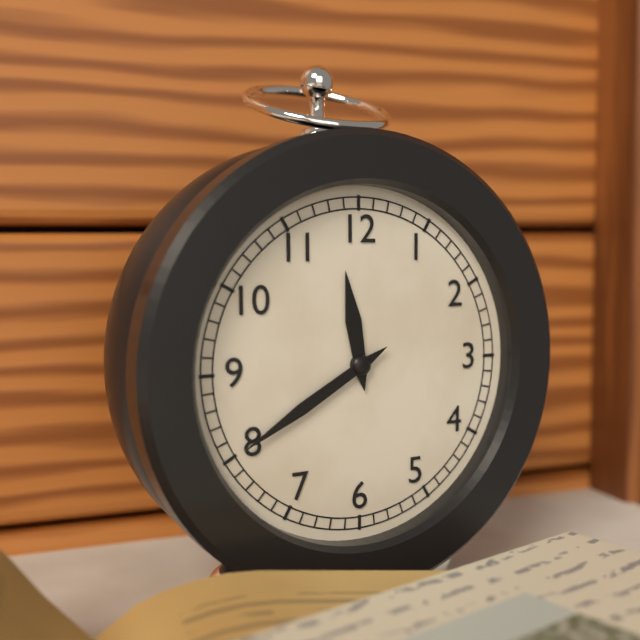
11:40
